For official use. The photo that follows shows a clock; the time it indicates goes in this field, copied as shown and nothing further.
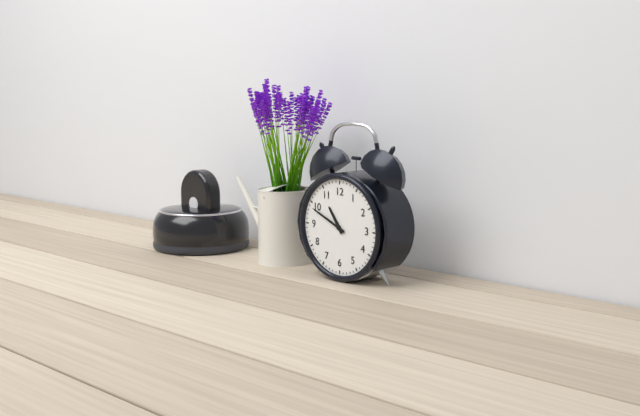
10:49
